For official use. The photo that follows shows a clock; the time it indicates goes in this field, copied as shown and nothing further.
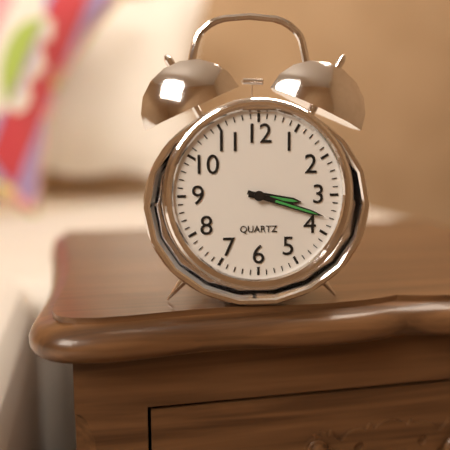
3:18
